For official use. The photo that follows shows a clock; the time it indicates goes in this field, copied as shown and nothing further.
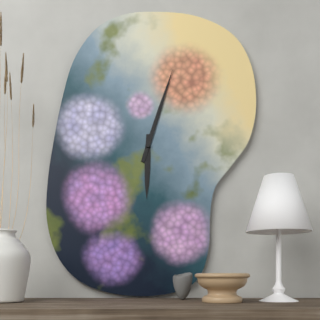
6:03
